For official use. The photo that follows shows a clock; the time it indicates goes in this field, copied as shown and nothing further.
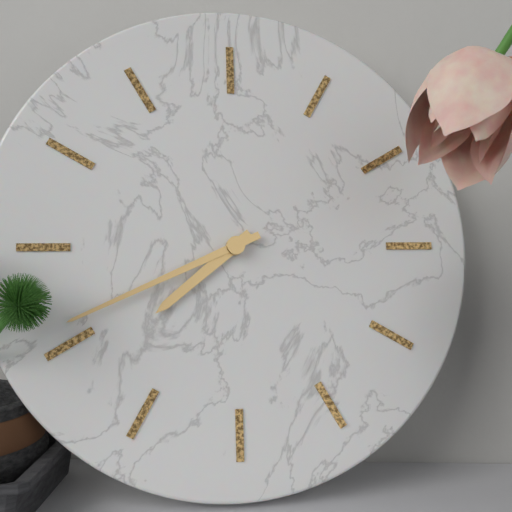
7:41
